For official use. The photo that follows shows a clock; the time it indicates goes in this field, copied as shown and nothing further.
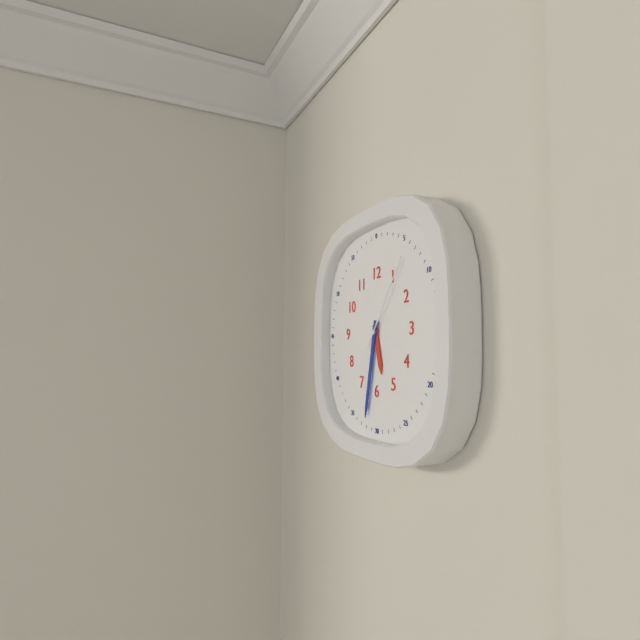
5:32:06
